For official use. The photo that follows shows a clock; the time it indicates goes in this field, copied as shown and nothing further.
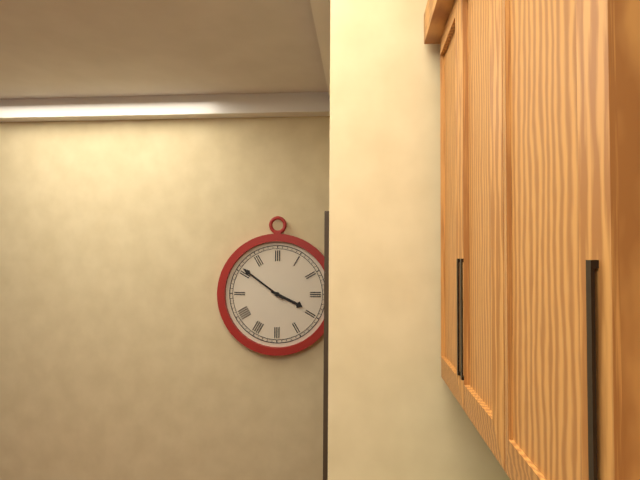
3:51
